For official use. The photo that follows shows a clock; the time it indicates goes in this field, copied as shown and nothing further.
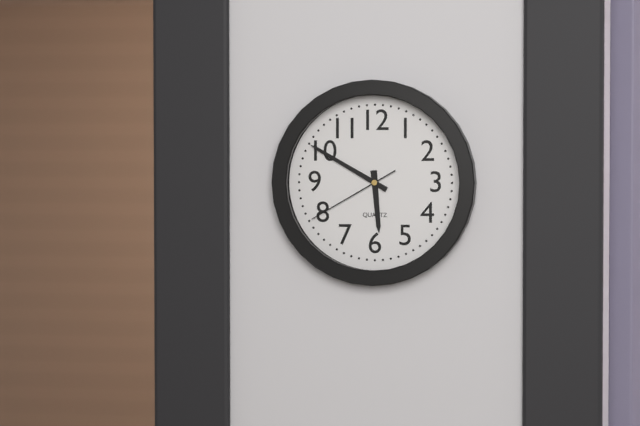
5:50:40
